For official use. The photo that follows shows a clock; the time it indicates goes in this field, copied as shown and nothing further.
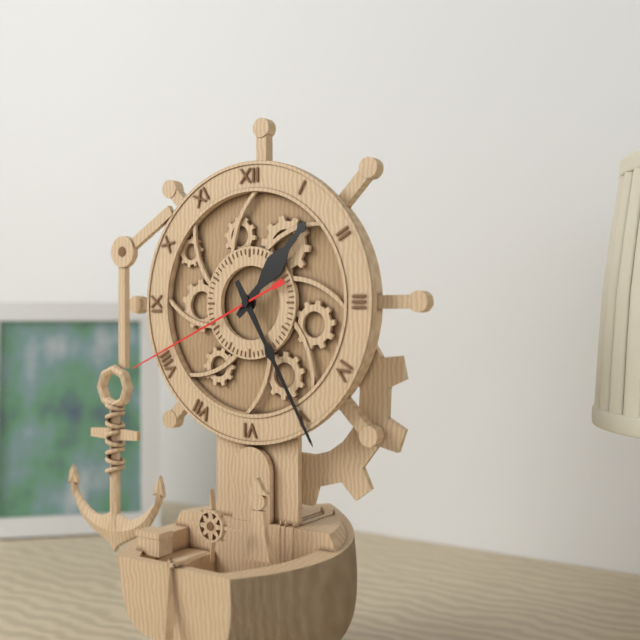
1:25:41
